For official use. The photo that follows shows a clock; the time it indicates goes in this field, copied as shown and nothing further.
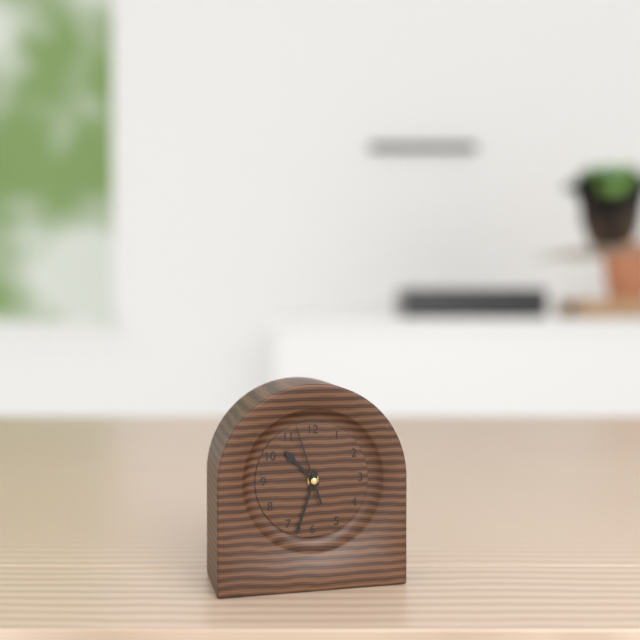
10:33:57
